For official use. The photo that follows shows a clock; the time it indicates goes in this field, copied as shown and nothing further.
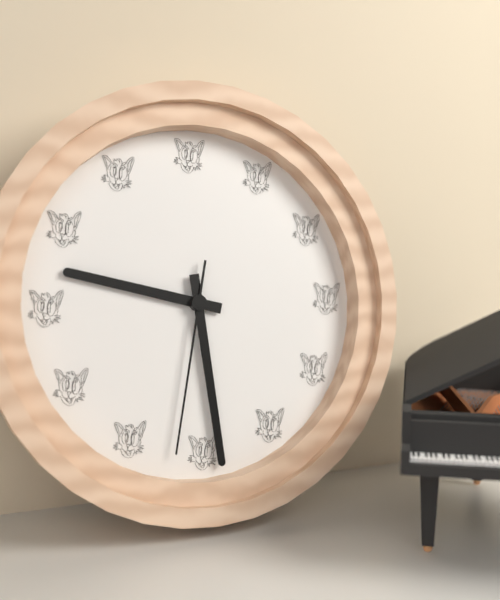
9:29:32
